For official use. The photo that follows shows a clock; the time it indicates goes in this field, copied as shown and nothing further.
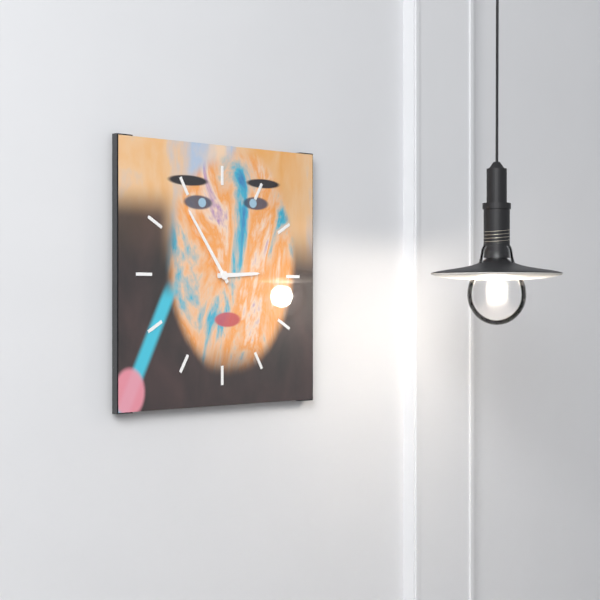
2:54
